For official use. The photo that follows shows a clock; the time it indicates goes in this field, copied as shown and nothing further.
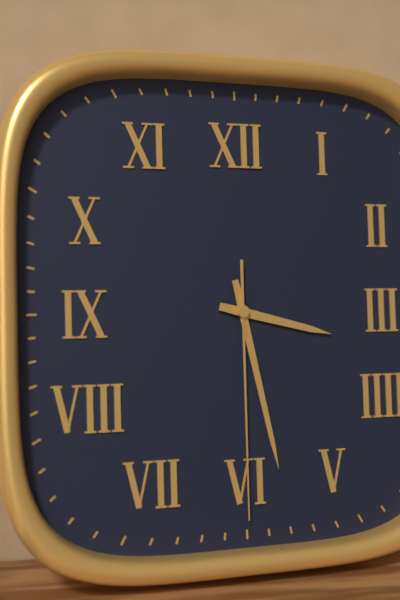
3:28:30
